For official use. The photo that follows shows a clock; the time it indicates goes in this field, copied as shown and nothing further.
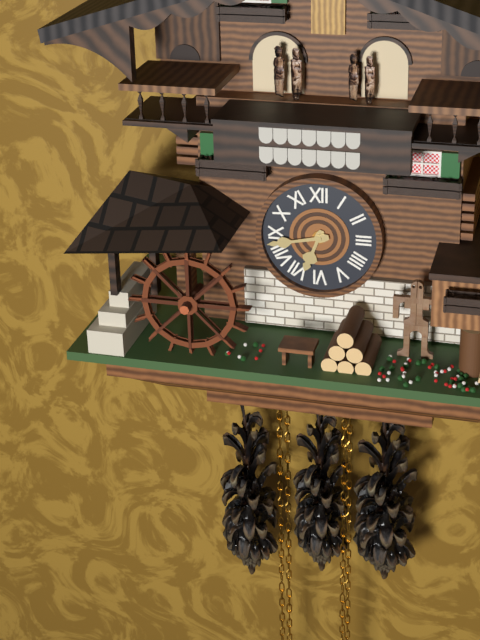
6:43
